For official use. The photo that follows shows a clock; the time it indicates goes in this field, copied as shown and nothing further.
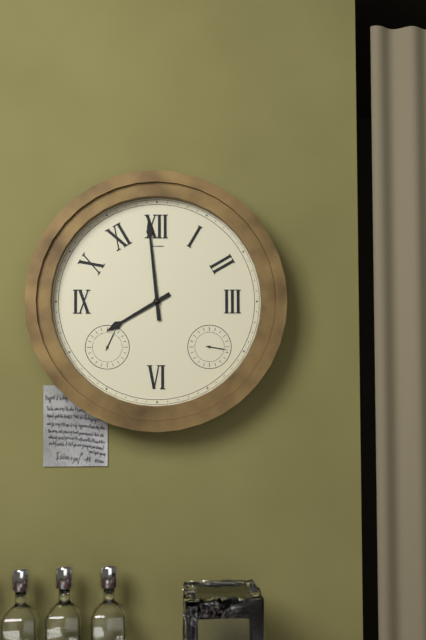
7:59
